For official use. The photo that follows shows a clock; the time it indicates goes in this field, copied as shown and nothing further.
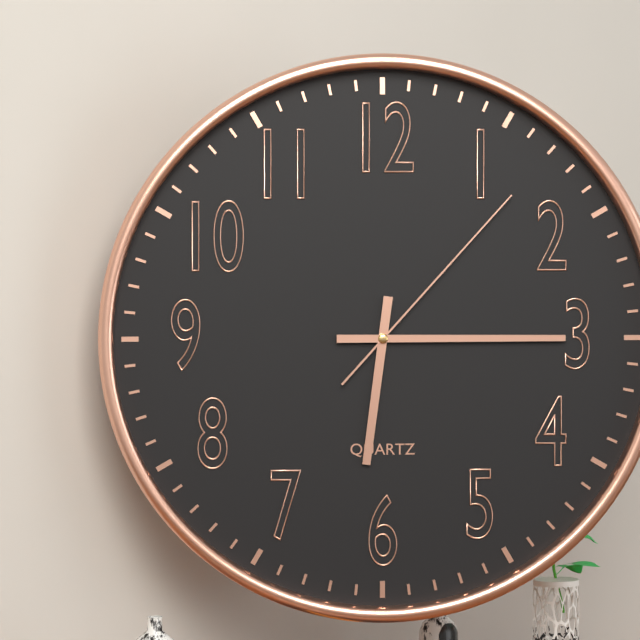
6:15:07
